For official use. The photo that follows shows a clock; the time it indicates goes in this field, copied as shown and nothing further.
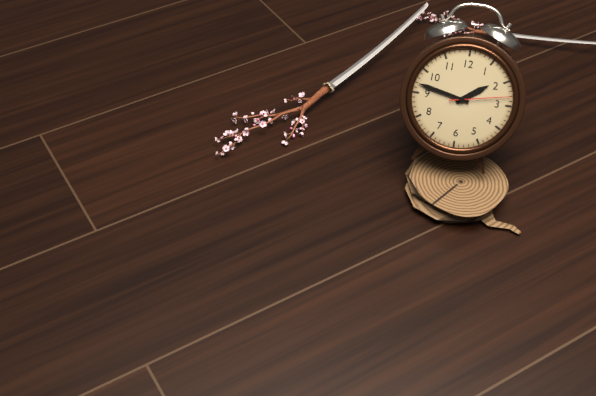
1:47:13
